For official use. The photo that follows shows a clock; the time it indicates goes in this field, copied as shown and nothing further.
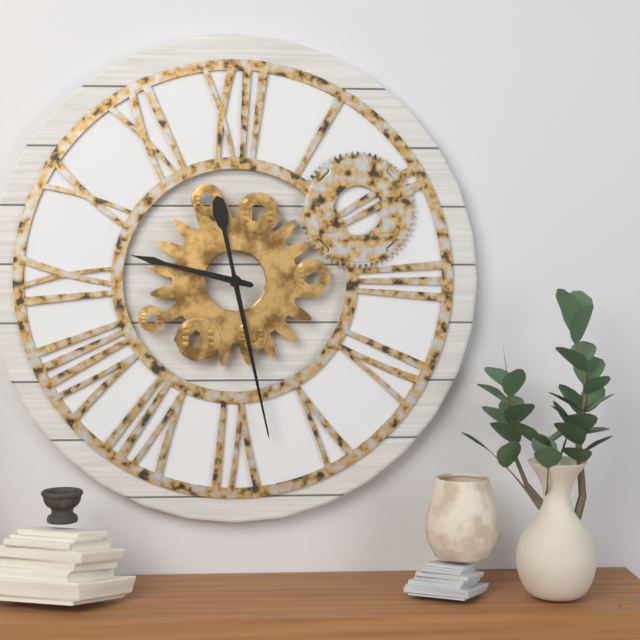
9:28
